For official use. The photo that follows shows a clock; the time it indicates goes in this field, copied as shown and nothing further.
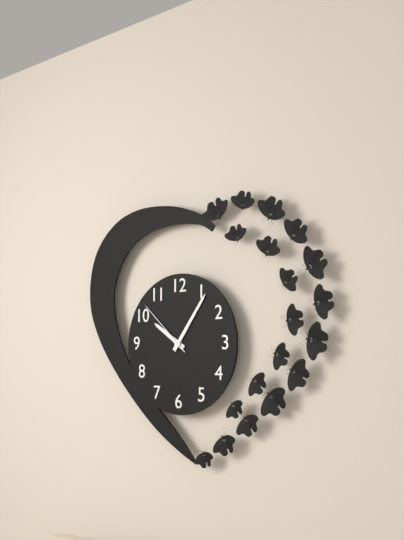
10:06:52
